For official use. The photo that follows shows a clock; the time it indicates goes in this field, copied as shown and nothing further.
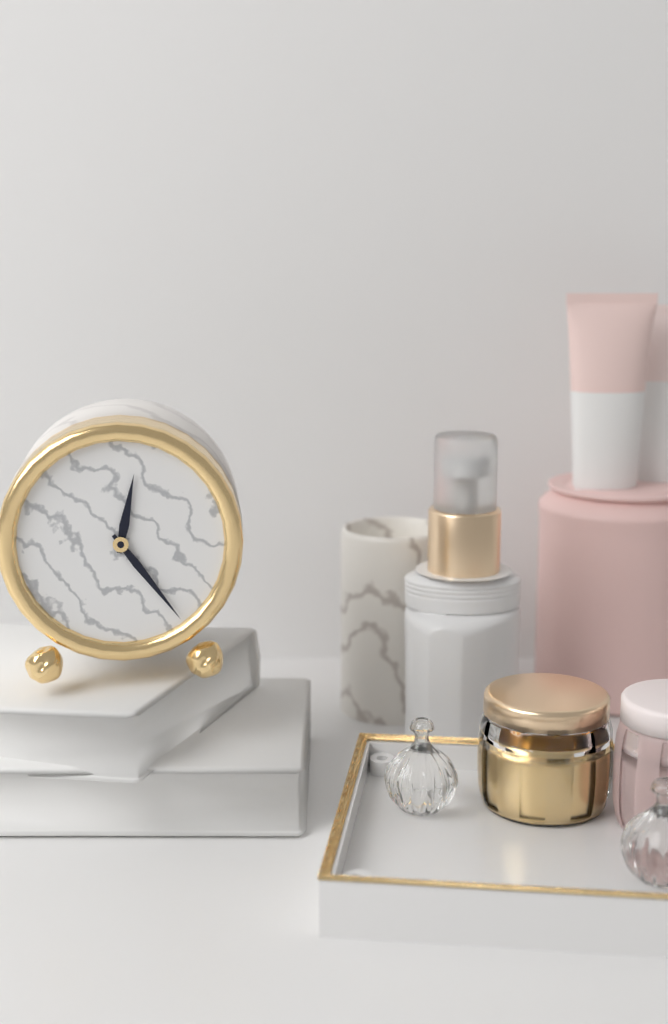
12:24
